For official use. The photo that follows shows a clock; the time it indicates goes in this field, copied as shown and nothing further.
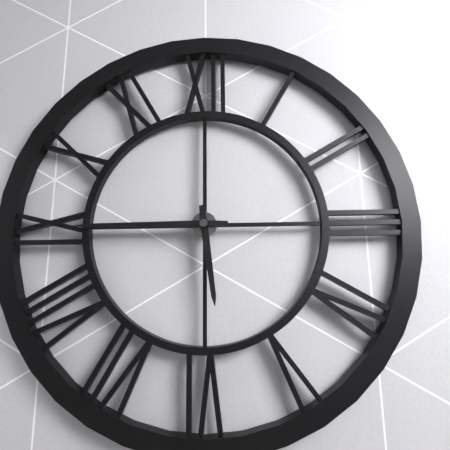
5:45
